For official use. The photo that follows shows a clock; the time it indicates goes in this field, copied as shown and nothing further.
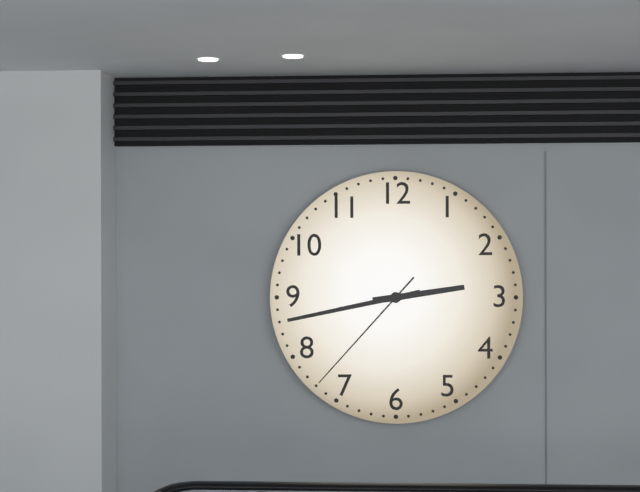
2:43:37
